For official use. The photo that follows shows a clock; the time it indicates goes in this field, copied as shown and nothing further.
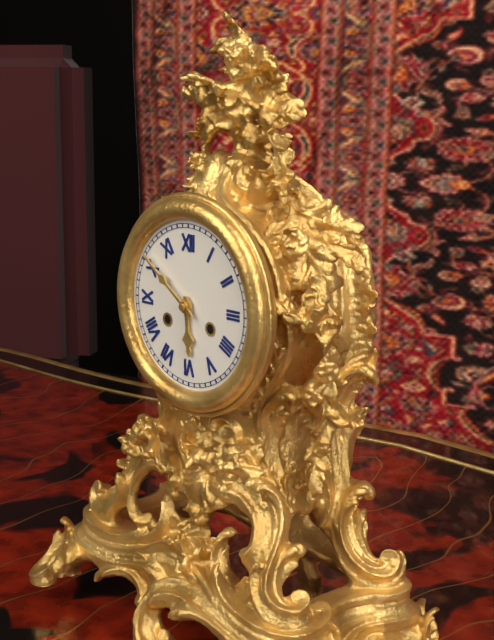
5:51
